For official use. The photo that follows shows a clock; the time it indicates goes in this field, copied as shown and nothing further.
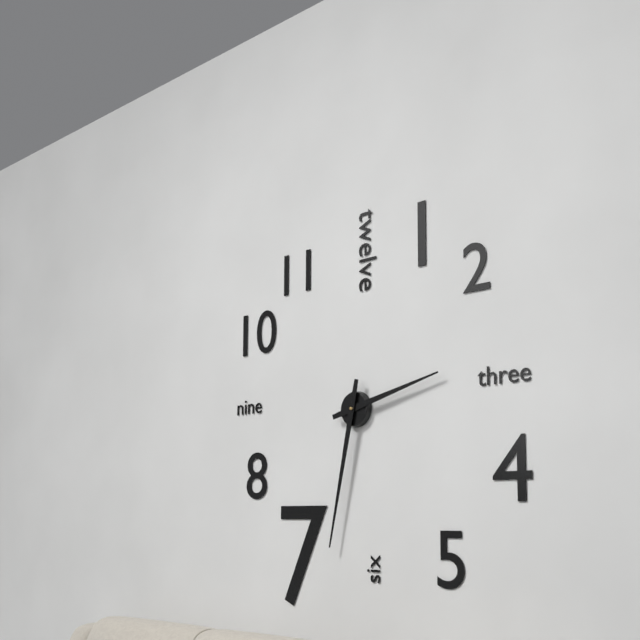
2:32
